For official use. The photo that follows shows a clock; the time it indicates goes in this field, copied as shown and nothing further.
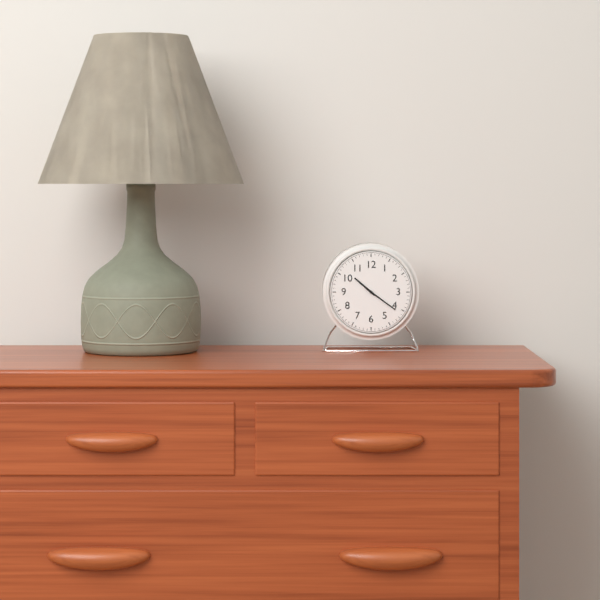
10:21
